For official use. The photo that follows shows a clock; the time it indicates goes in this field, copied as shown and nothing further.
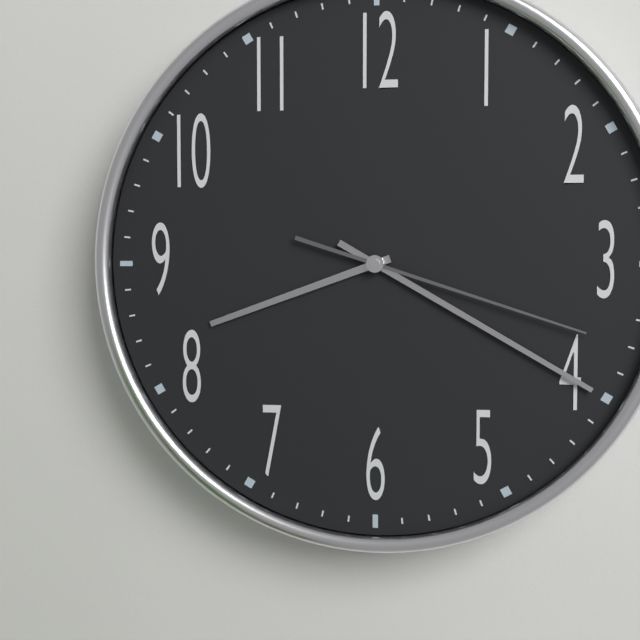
8:20:18
